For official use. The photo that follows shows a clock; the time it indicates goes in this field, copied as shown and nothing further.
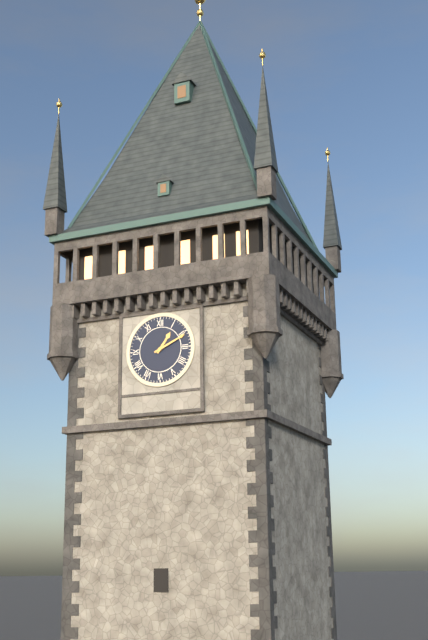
1:11
